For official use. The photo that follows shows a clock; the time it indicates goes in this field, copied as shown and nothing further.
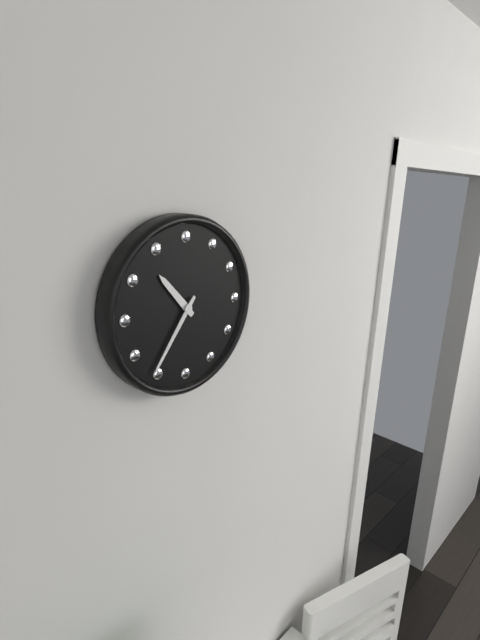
10:36
